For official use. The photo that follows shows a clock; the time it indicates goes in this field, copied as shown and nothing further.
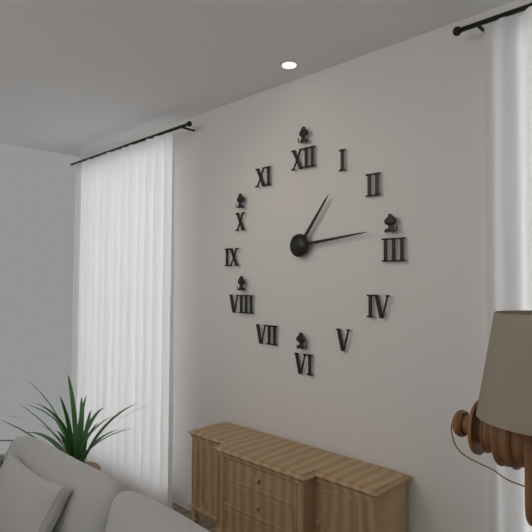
1:14
